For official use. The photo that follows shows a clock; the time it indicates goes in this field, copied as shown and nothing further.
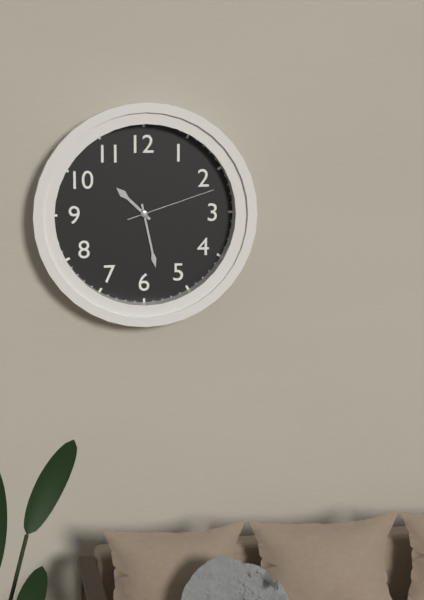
10:28:12
